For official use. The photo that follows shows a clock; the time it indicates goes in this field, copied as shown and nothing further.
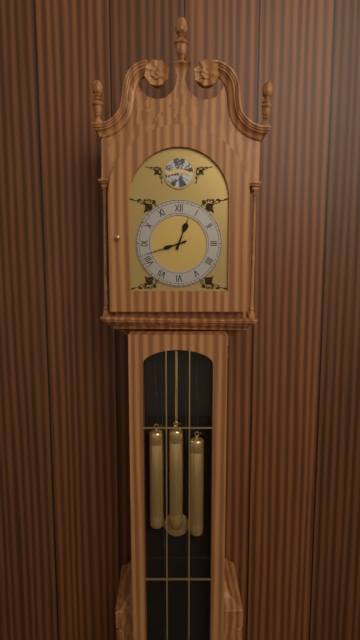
12:42
